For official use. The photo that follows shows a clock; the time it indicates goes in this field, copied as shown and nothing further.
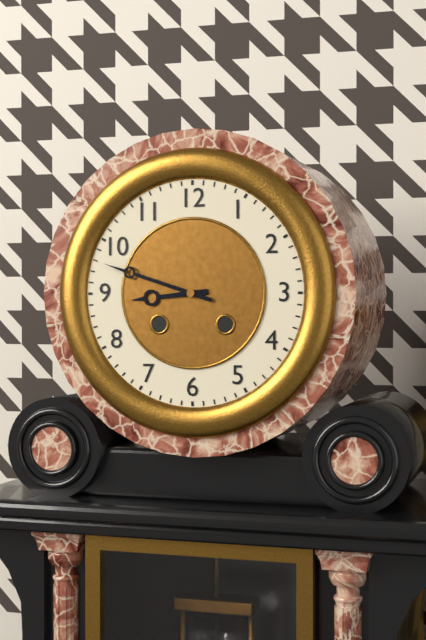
8:48
